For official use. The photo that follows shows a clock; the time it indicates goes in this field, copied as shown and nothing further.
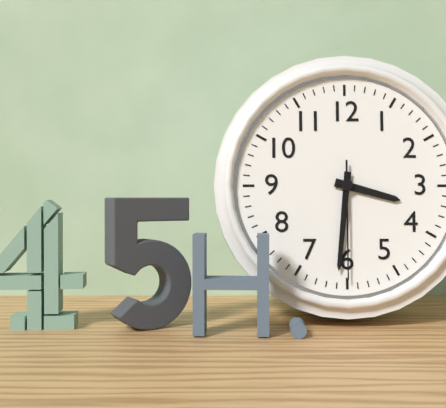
3:31:30
